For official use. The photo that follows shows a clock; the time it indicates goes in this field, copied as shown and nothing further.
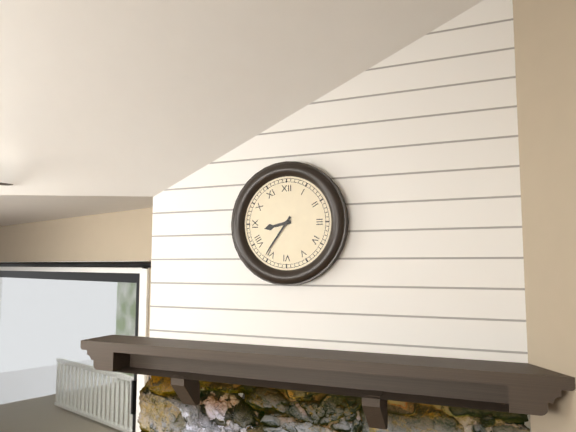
8:36
